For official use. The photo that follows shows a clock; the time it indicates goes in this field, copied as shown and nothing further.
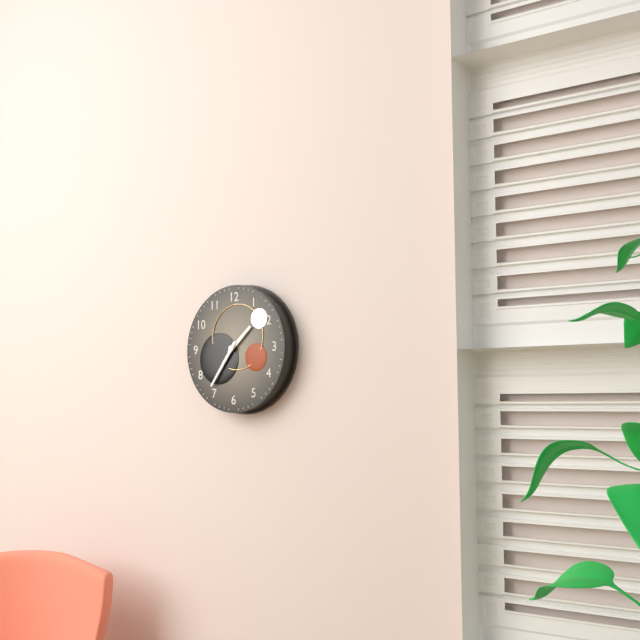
1:36
